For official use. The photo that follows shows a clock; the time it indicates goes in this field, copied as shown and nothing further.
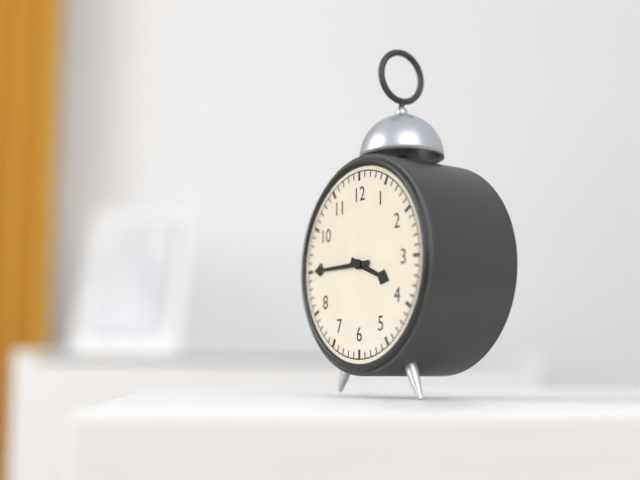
3:45
